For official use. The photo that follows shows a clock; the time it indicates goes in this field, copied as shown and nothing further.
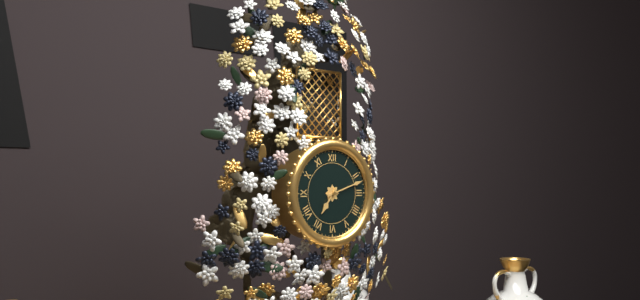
7:12
